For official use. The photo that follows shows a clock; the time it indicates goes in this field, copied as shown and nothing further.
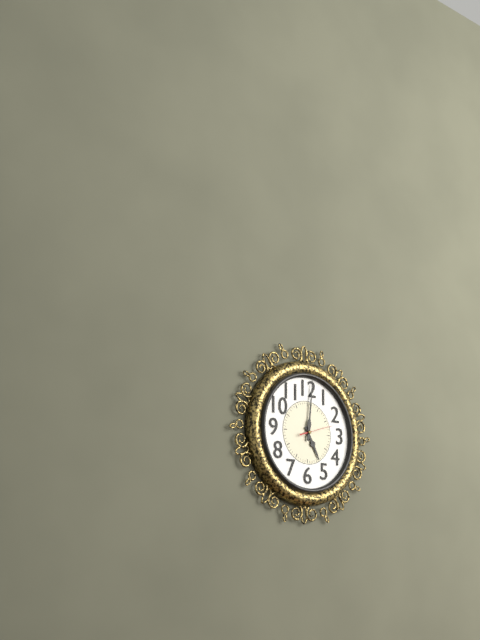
5:01
